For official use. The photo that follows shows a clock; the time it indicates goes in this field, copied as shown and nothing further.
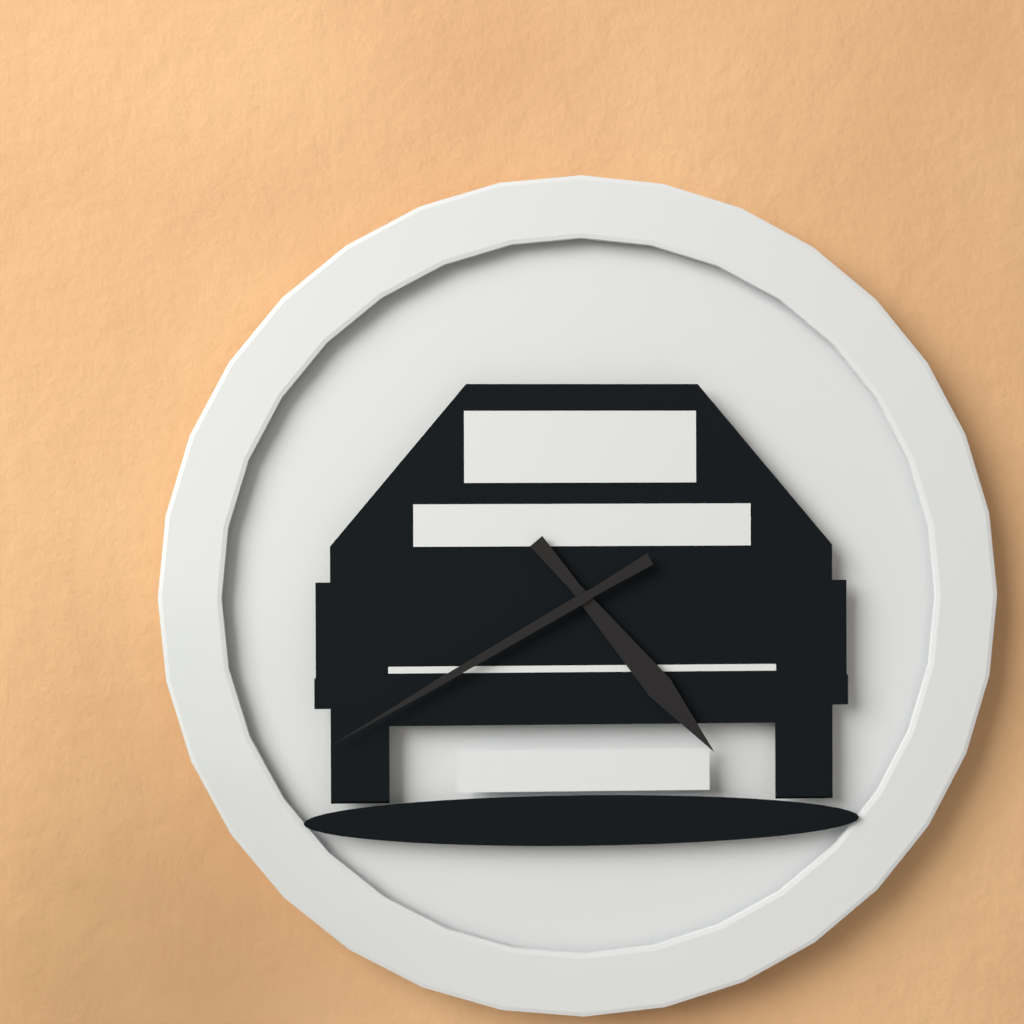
4:40
